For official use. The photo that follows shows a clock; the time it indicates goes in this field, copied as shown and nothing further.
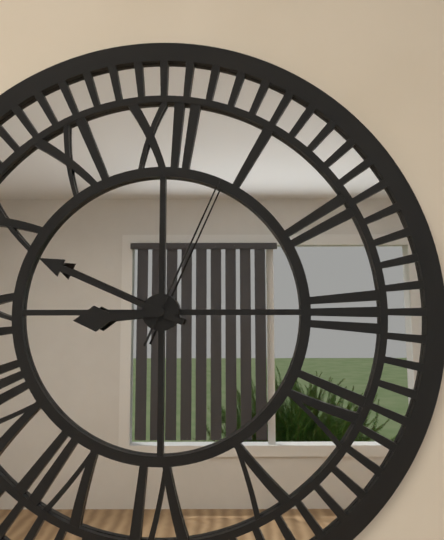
8:49:04
